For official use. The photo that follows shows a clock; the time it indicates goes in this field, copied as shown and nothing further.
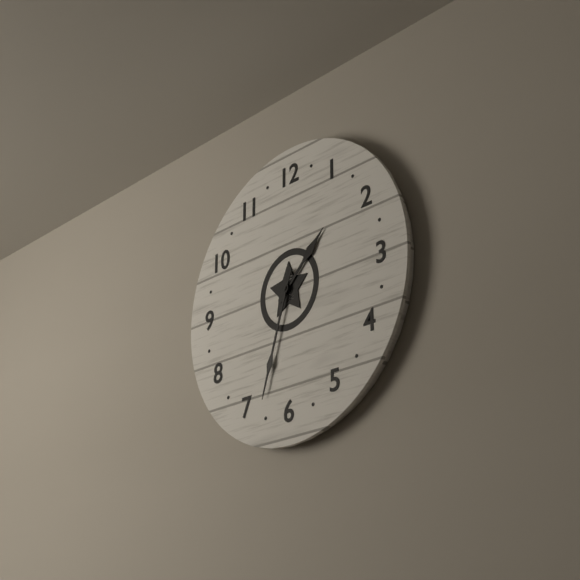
1:33
